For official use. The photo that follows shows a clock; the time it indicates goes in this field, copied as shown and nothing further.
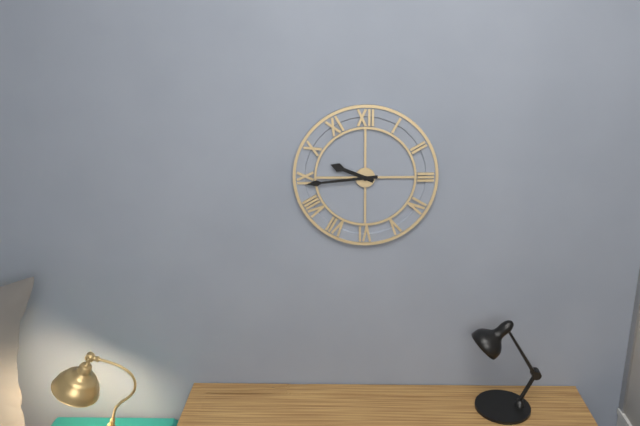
9:44
